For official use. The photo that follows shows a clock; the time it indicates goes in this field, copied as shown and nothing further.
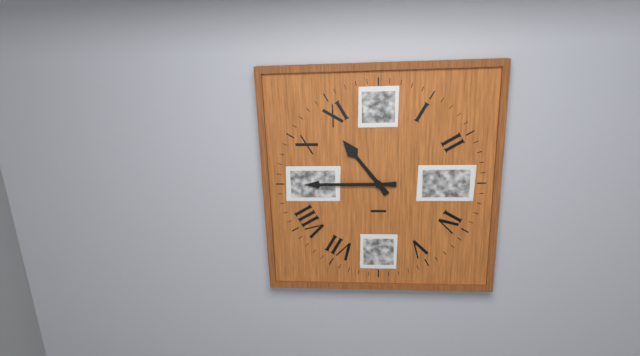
10:45
